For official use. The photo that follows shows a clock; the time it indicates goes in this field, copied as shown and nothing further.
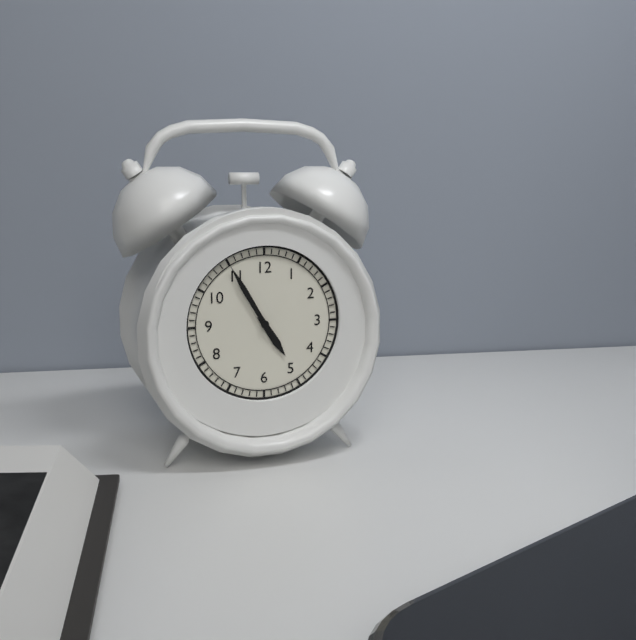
4:55
